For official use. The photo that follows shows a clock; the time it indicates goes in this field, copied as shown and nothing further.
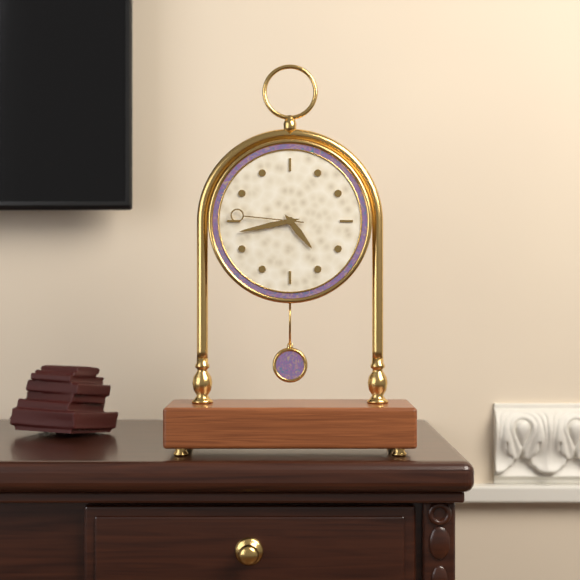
4:43:46
